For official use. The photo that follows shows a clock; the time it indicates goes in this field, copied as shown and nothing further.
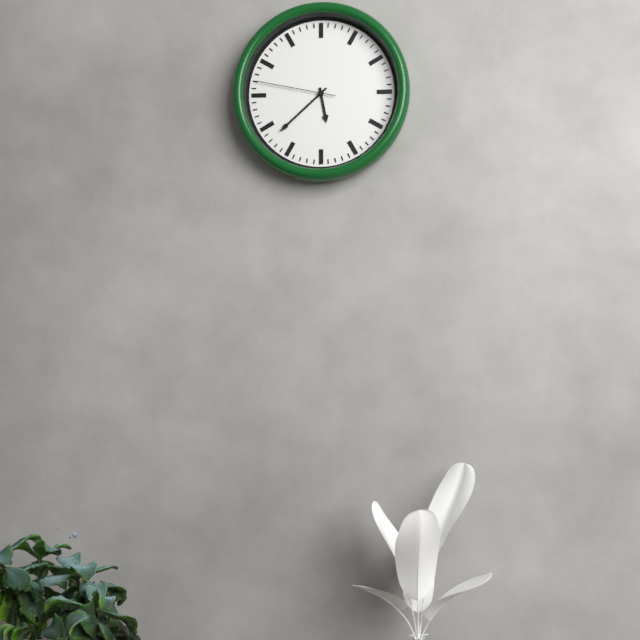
5:38:47
